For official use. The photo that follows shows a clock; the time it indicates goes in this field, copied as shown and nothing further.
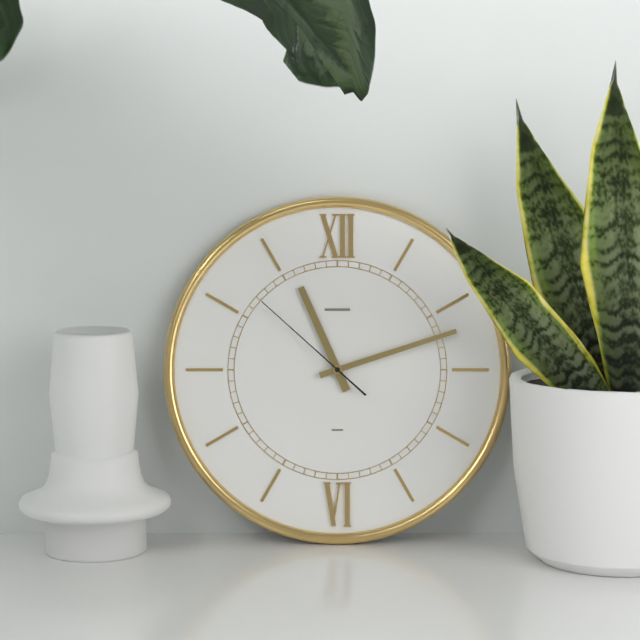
11:12:52
